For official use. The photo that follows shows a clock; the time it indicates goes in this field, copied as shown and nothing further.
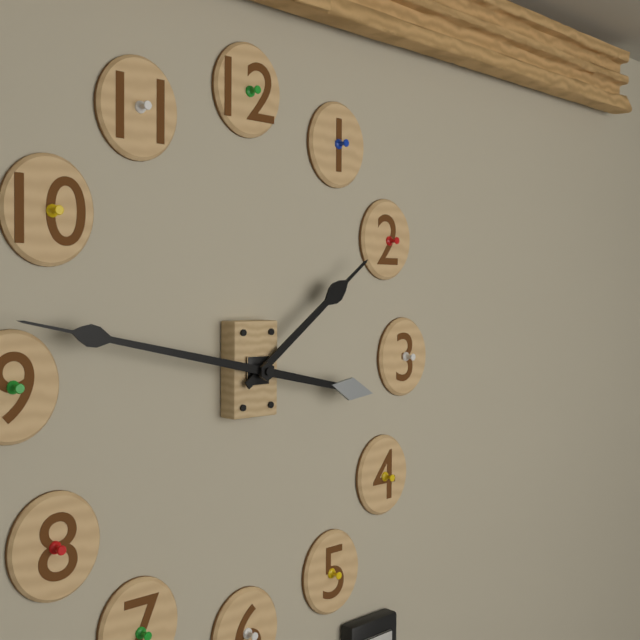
1:47
